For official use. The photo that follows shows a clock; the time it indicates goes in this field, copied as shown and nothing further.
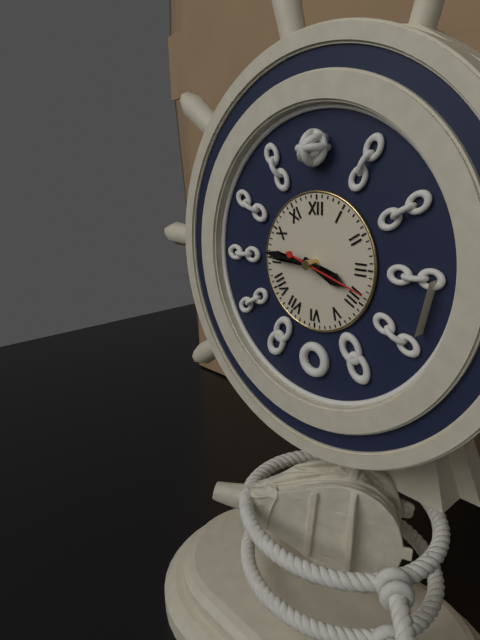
3:46:18
